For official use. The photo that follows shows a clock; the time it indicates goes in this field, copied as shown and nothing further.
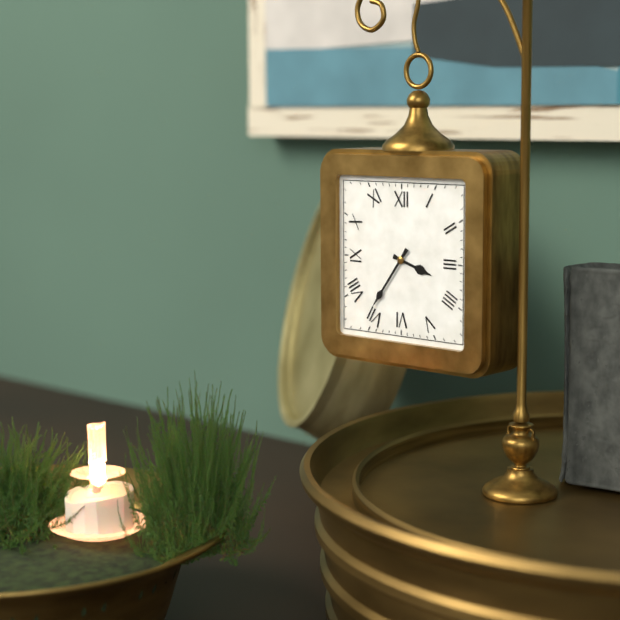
3:36
